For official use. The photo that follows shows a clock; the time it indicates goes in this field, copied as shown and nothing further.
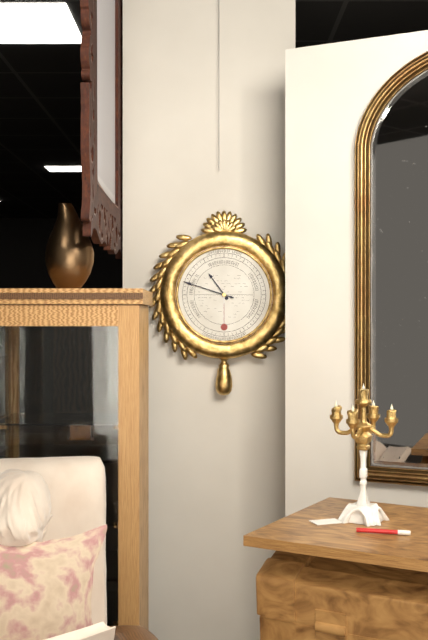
10:48
